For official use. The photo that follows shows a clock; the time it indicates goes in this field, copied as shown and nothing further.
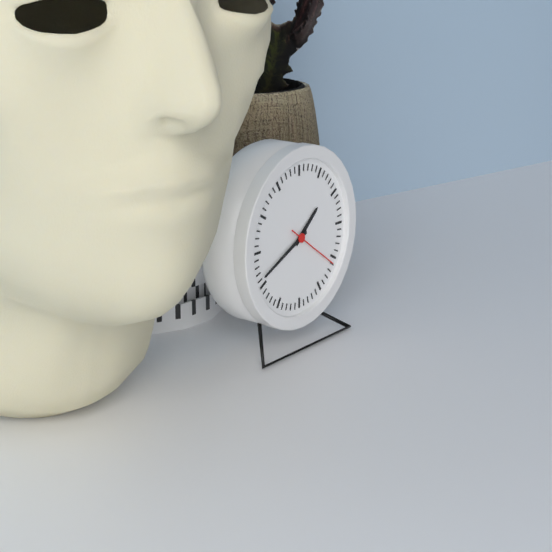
1:41:21
